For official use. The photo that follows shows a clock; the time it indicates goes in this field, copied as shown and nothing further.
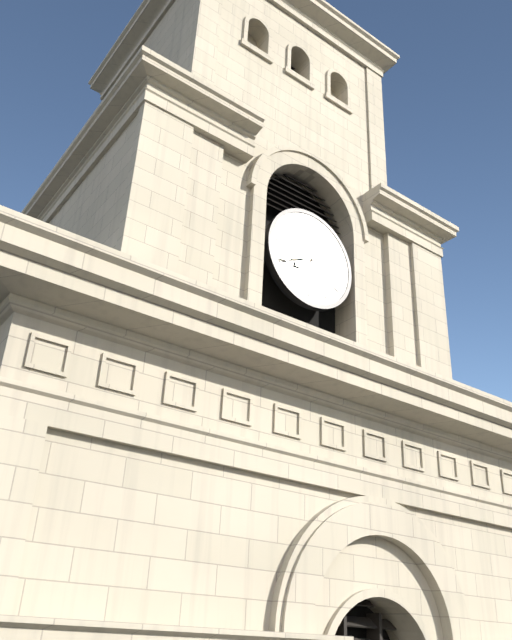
7:41
